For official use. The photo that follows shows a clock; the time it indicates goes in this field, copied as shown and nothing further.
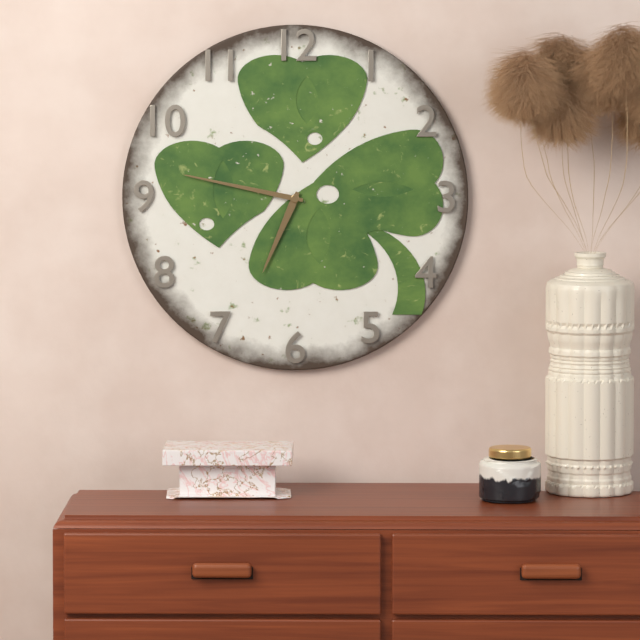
6:47
